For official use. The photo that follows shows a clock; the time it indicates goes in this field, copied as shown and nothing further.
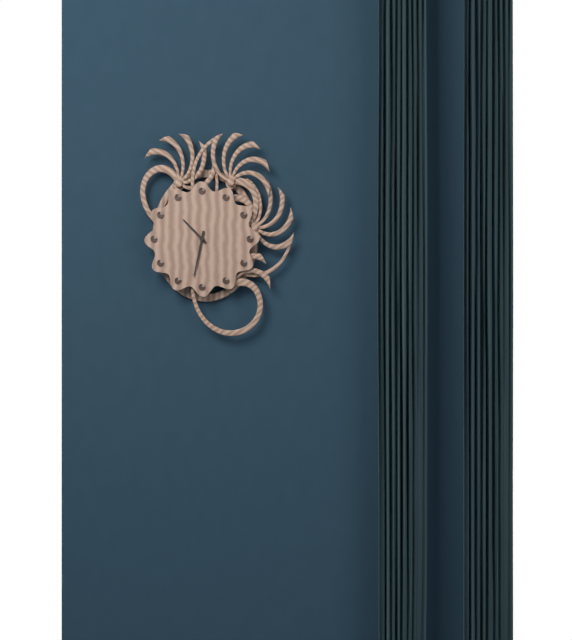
10:32
